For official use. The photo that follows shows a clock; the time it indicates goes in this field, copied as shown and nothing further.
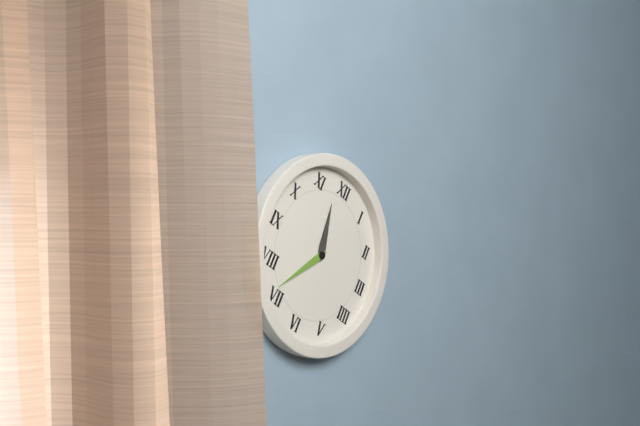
11:36
